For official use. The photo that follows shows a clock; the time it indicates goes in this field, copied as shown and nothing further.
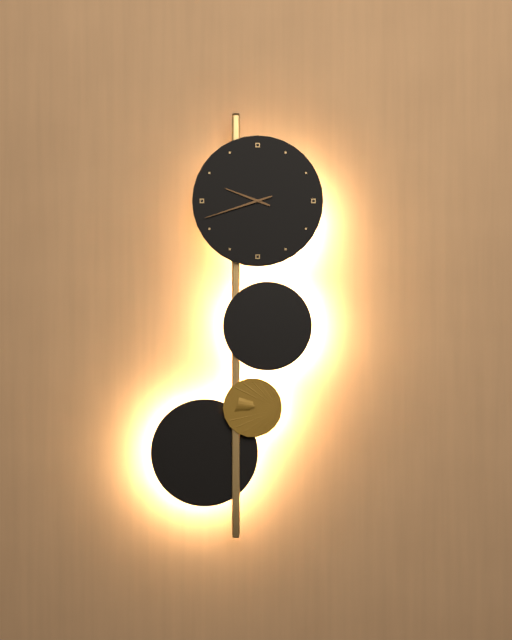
9:42
